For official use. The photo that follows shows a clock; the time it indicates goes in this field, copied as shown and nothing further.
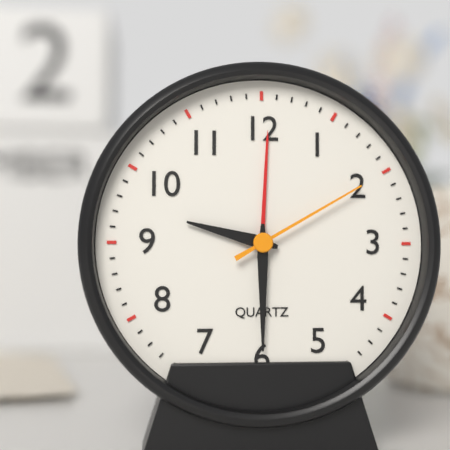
9:30:10
